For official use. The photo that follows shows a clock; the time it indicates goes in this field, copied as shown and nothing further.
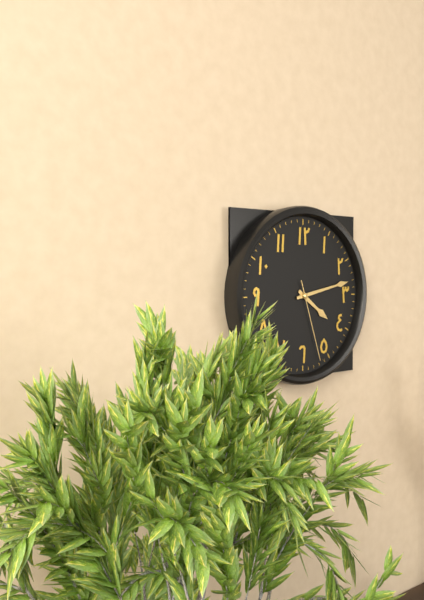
4:13:27
